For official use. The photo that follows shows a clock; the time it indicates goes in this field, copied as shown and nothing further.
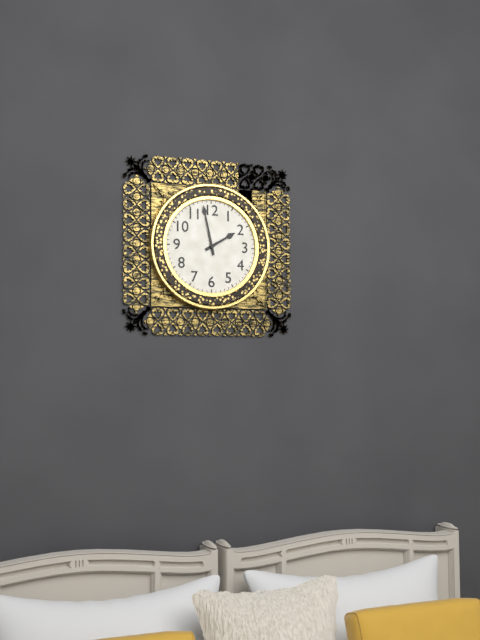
1:58
